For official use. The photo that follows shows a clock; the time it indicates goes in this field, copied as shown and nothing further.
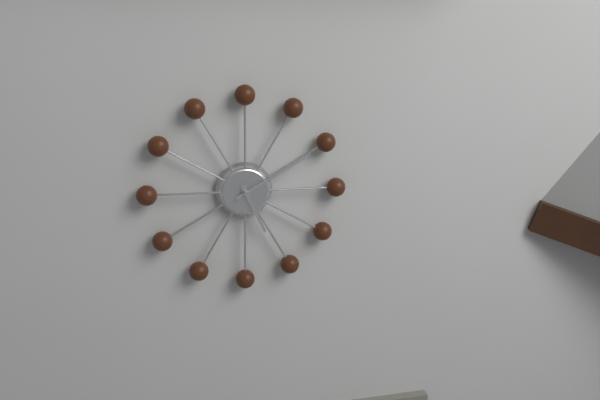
5:10
